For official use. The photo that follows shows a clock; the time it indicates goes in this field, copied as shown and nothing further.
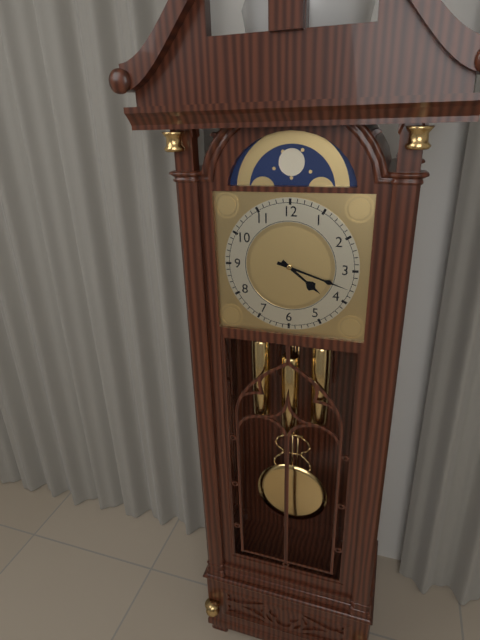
4:18
